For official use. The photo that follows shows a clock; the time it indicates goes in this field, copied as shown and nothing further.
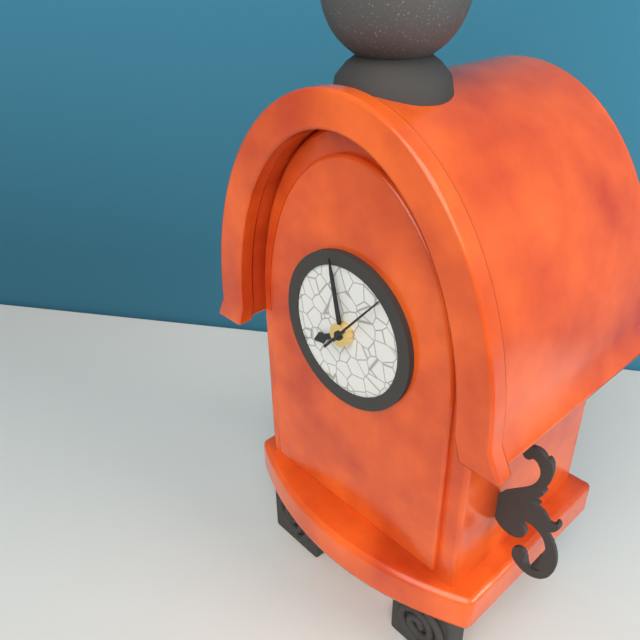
7:58:07
